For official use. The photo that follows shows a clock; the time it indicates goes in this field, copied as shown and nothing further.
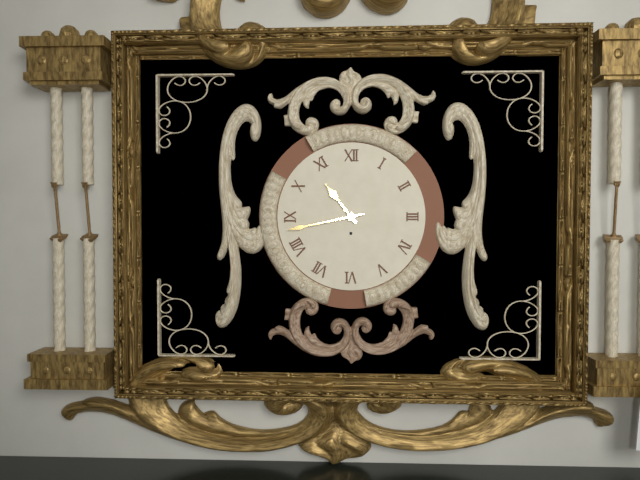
10:43
